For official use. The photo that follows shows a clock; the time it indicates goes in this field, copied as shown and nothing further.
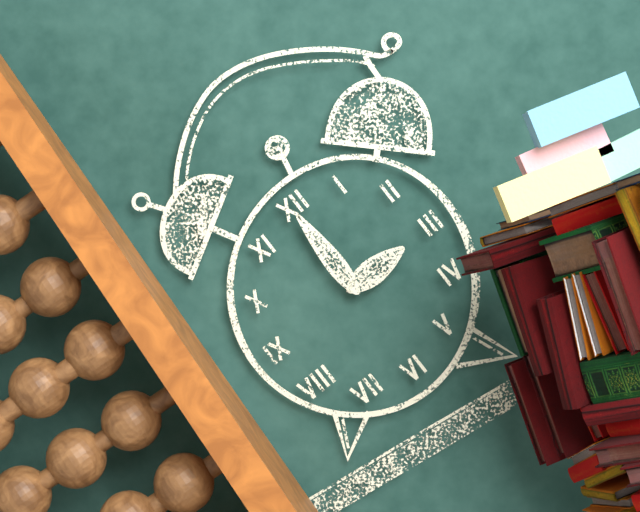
3:00
